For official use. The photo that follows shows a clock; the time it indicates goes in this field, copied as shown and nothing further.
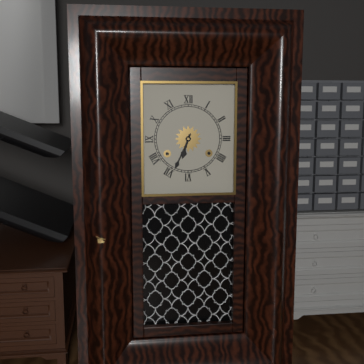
6:34
